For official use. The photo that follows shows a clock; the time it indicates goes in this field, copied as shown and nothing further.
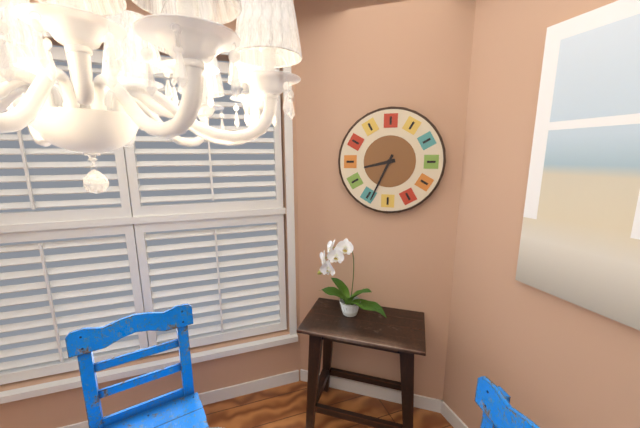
8:34
